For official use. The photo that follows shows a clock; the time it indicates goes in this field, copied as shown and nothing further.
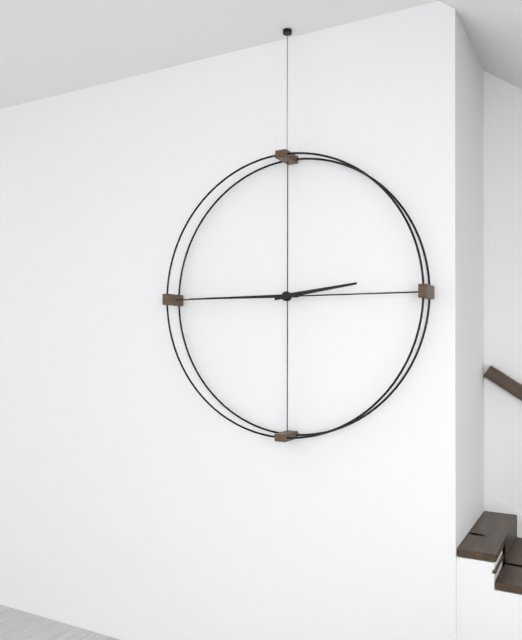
2:45
